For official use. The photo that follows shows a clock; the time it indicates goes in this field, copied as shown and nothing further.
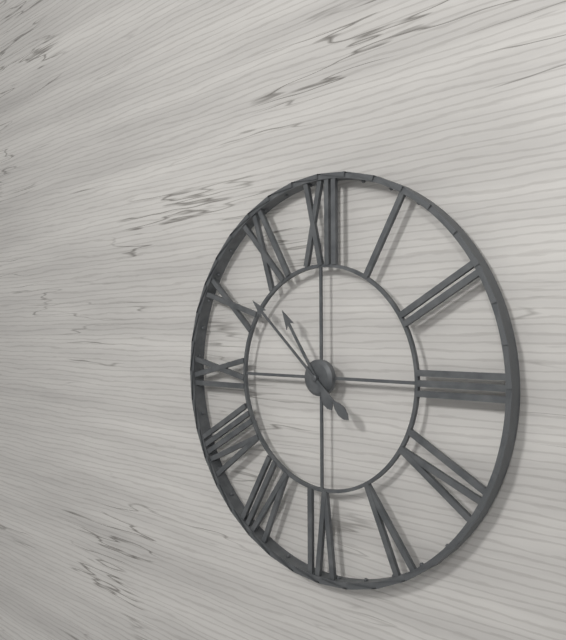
10:52
